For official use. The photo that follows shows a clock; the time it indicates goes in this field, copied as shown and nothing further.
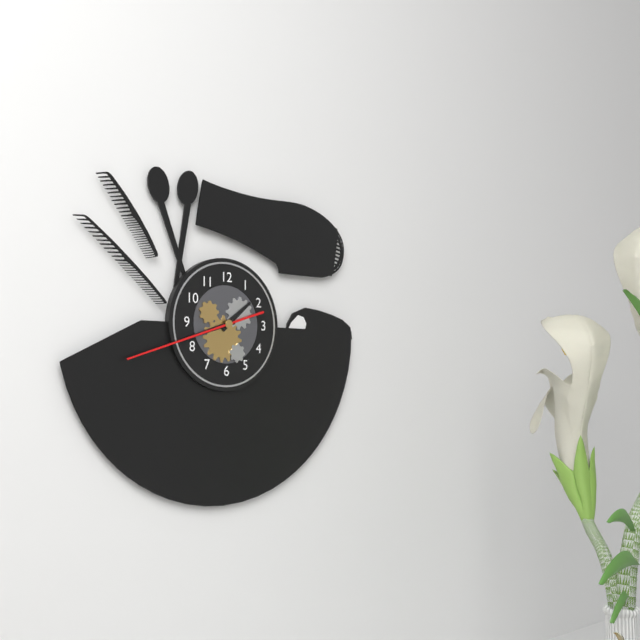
1:42:42
